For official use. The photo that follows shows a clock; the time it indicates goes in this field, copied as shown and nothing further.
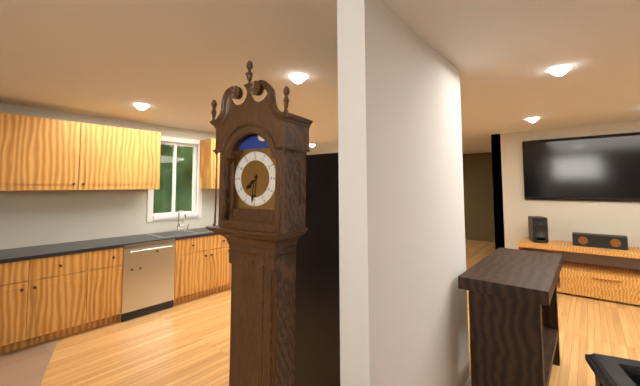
7:31
